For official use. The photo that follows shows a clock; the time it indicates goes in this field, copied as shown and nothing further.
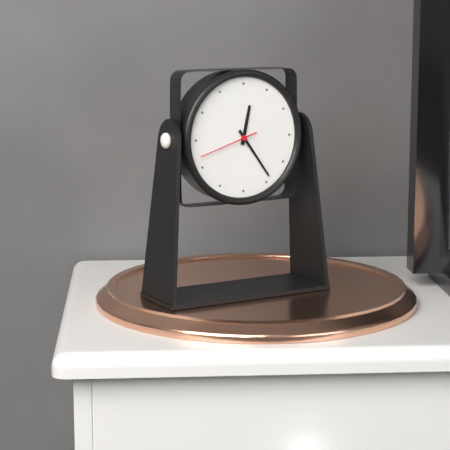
12:24:42
